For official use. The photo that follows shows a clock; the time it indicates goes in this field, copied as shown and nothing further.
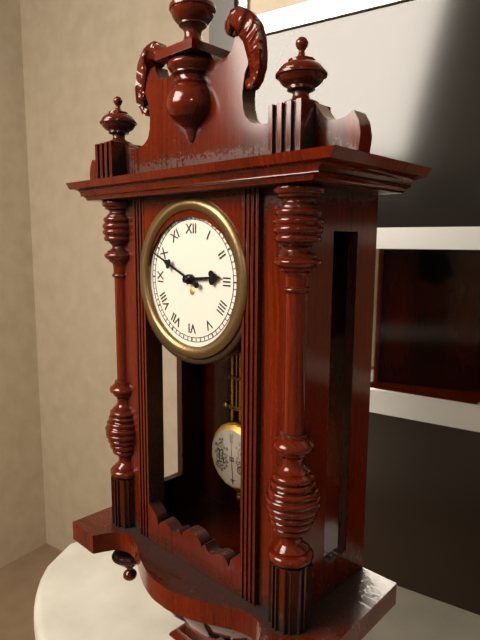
2:49
